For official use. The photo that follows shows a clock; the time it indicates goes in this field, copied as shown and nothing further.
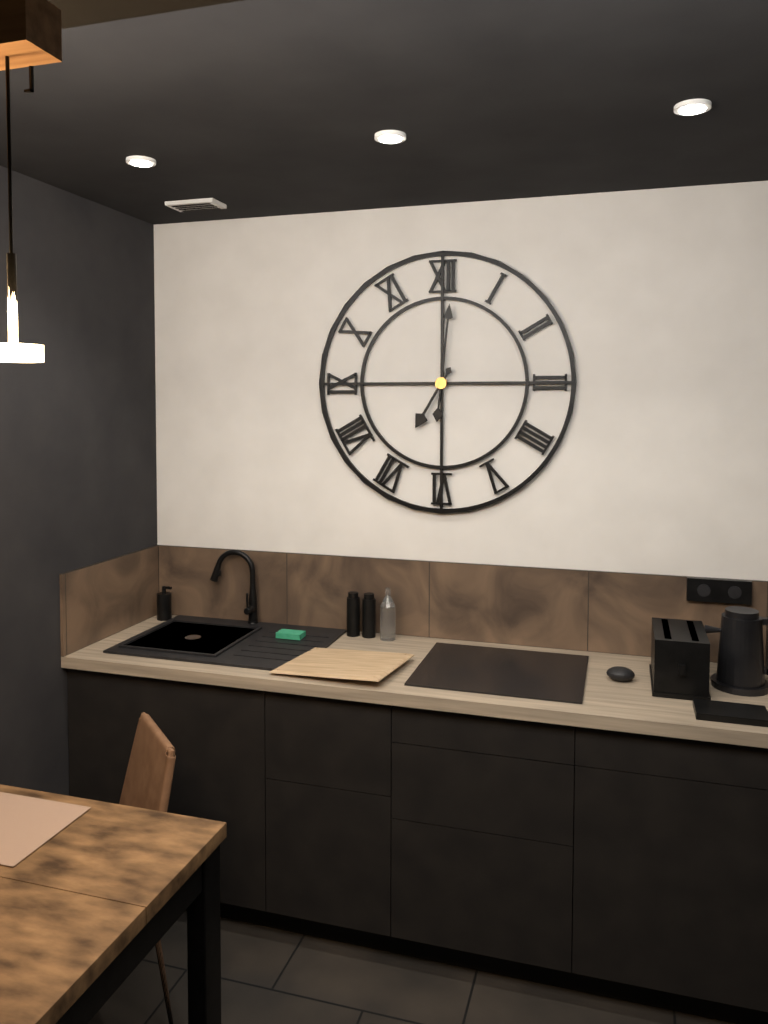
7:01
